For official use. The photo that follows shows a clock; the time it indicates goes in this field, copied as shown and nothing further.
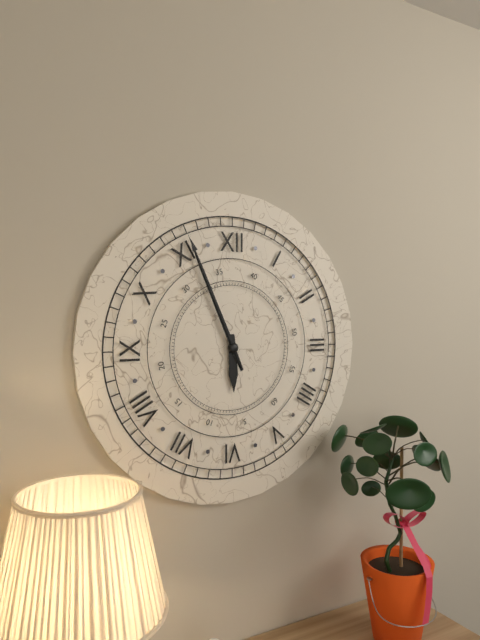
5:56:56
